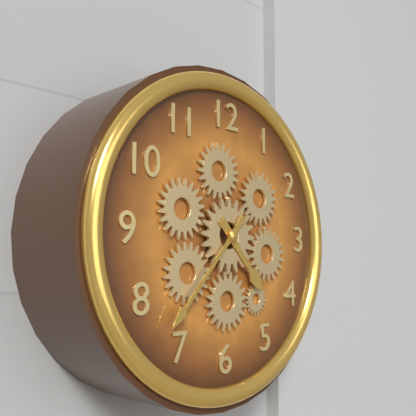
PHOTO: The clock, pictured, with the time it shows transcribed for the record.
4:37
